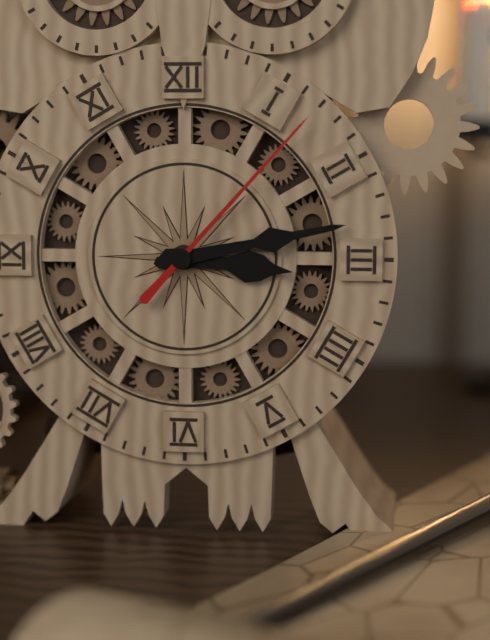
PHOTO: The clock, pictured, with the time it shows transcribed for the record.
3:13:07
